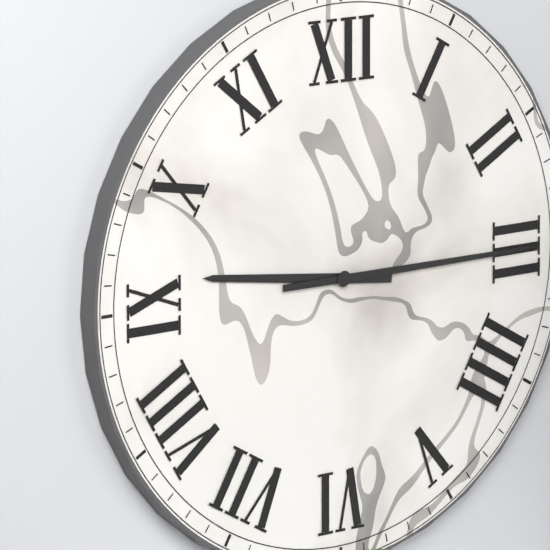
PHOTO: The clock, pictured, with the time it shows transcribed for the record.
9:15
